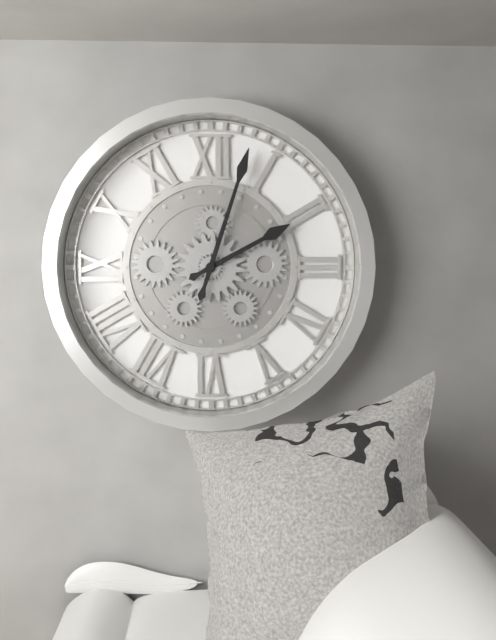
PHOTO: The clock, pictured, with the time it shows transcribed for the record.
2:03
